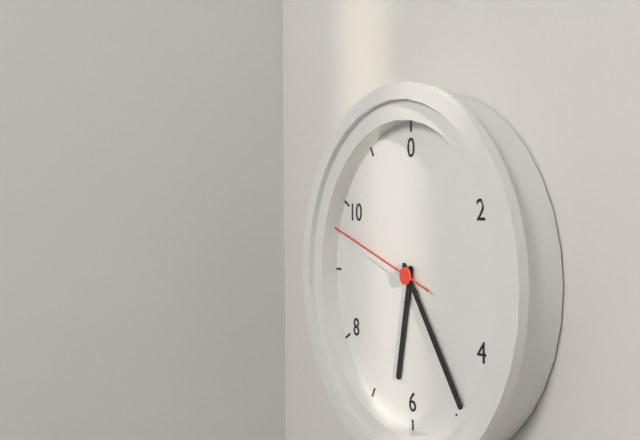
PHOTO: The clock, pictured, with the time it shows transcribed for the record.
6:24:48
